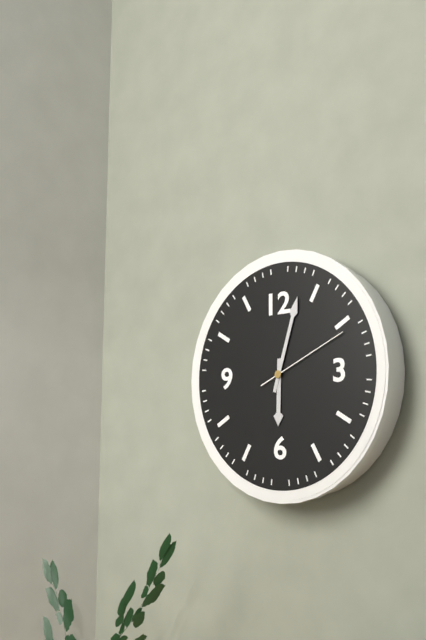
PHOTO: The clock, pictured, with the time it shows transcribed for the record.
6:03:11
